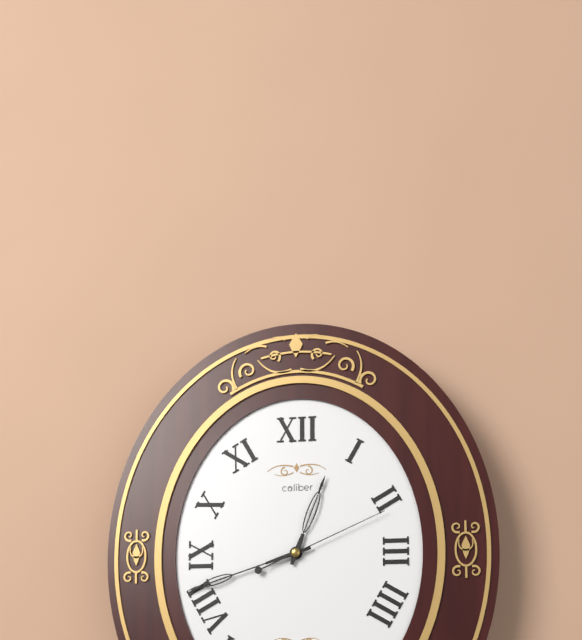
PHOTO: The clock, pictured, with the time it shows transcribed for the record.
12:42:11
